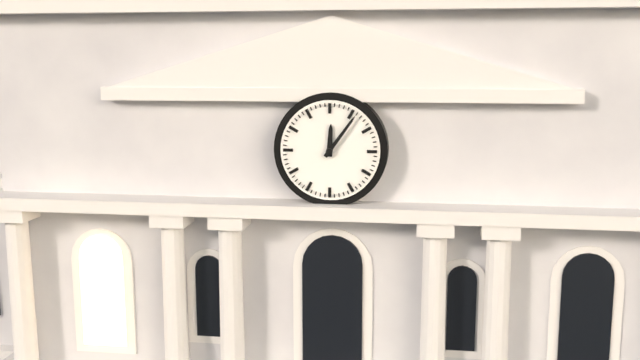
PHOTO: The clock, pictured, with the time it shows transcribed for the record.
12:06
